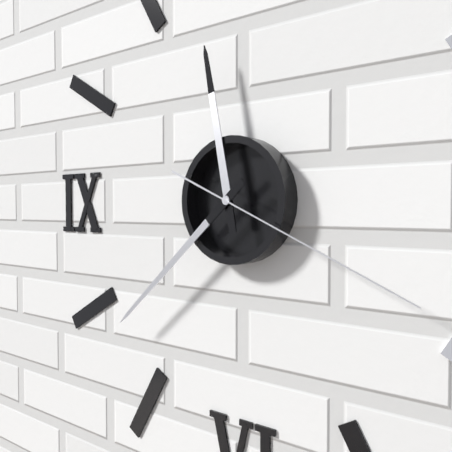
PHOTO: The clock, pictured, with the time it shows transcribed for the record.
11:38:19
